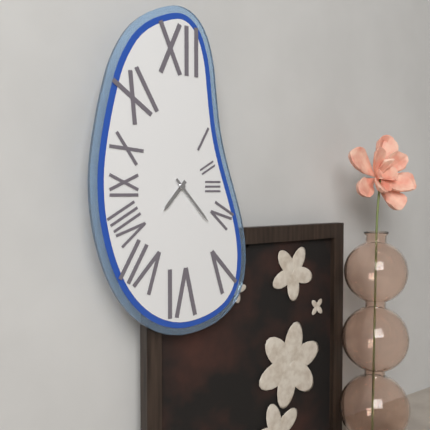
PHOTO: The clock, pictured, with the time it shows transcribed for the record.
7:23
